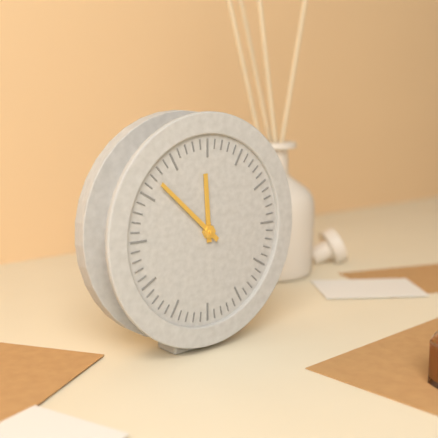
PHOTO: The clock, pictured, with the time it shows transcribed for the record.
11:52
